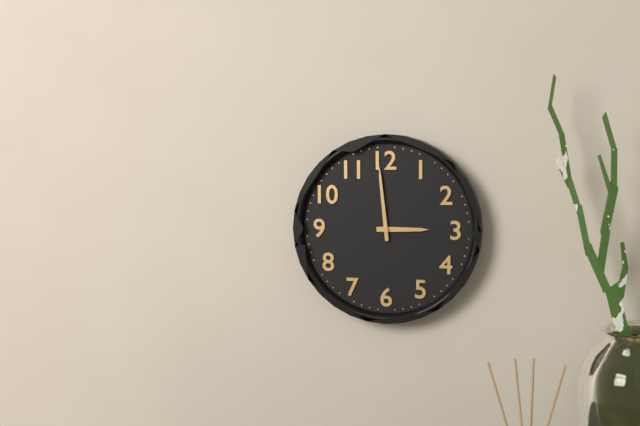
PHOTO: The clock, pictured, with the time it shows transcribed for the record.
2:59
